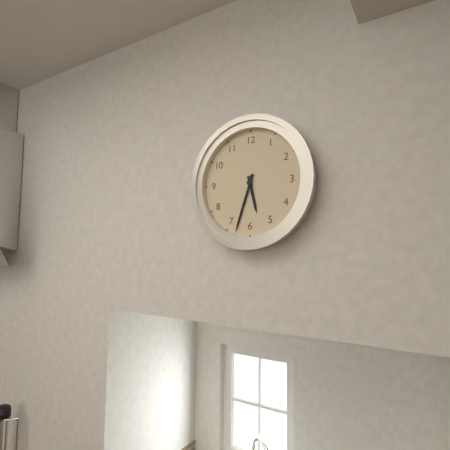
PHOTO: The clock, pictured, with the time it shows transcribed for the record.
5:33
